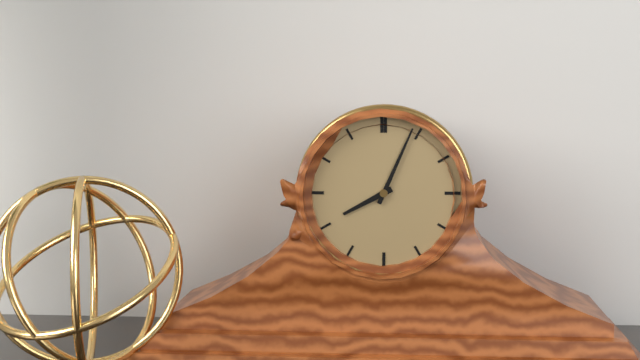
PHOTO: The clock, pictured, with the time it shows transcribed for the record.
8:04
